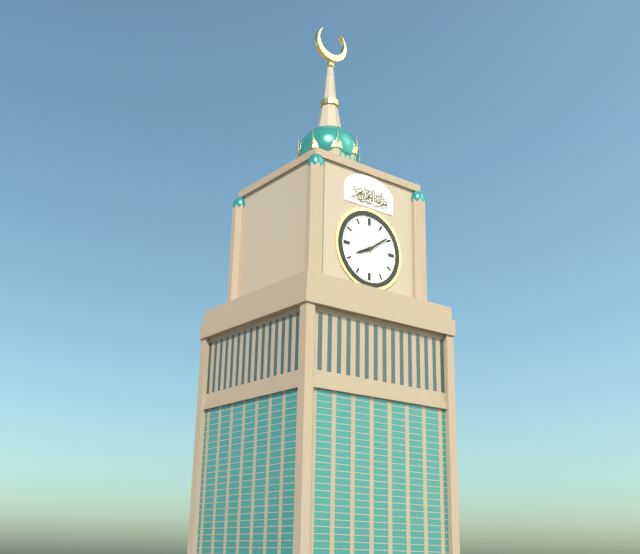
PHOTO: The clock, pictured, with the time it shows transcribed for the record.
8:09
